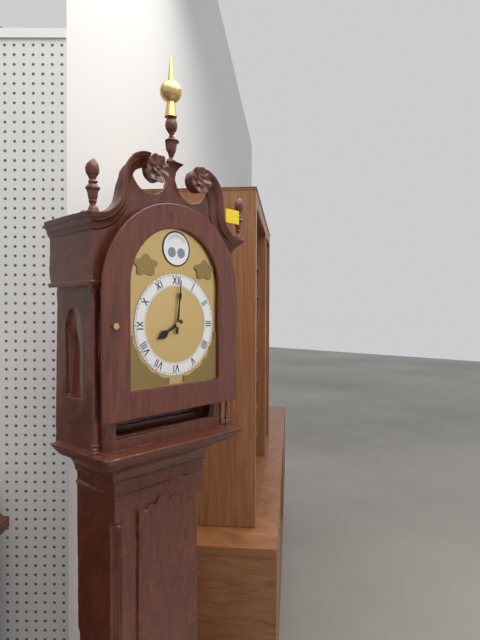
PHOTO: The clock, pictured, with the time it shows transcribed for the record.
8:01
